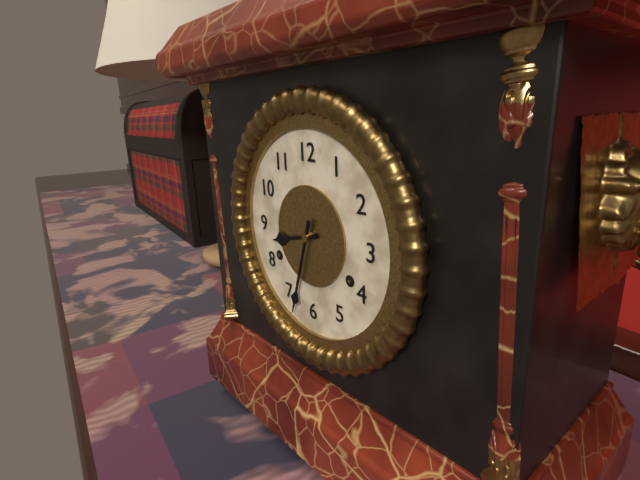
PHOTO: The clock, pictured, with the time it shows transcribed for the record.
8:33
